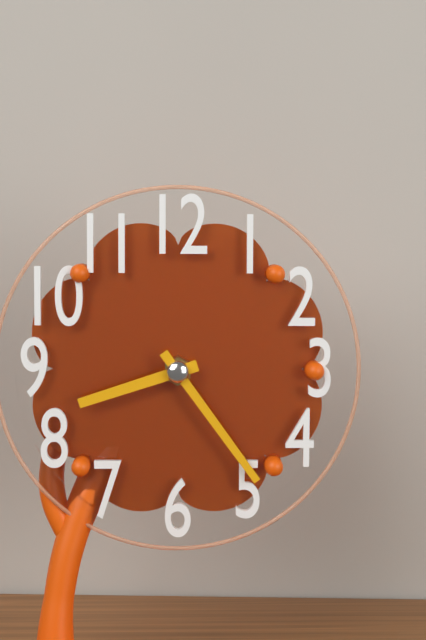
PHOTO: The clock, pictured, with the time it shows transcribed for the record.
8:24
